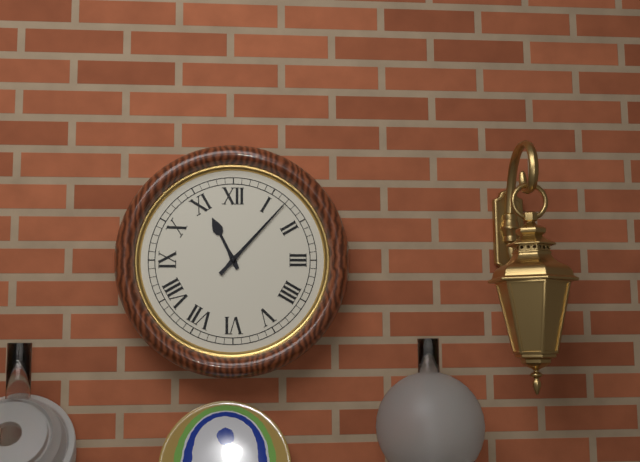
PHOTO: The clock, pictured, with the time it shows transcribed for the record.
11:07
